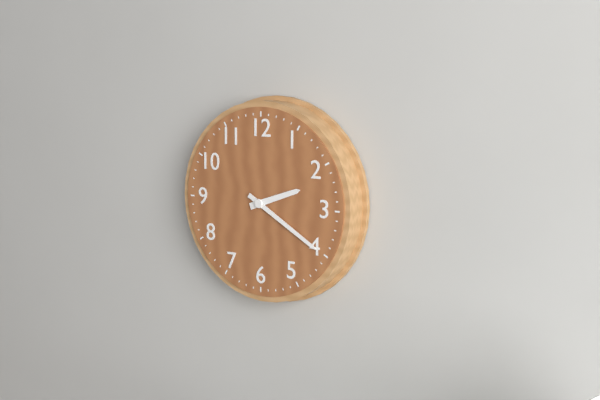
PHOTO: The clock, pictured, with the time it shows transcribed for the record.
2:20
